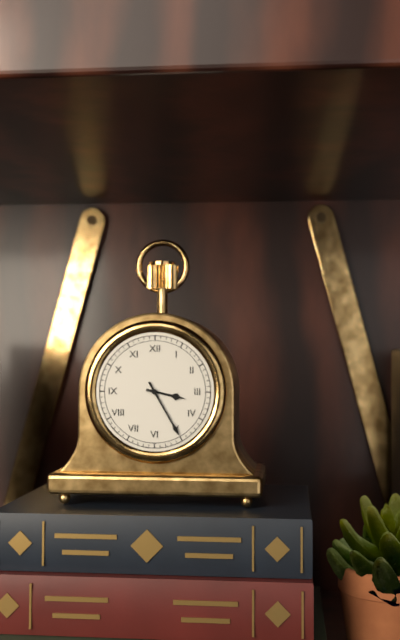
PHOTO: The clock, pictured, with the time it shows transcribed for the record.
3:25
